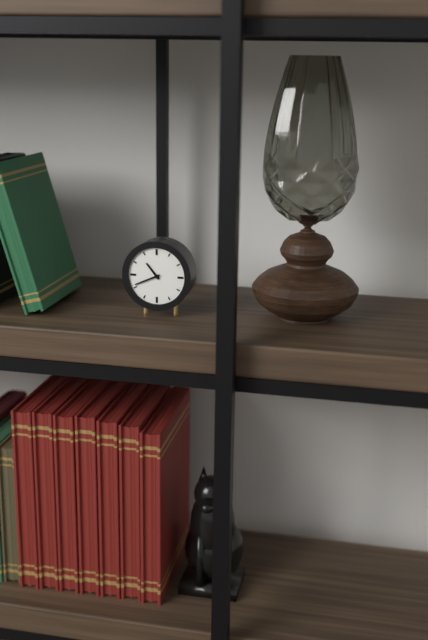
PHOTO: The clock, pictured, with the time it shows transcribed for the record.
10:41
